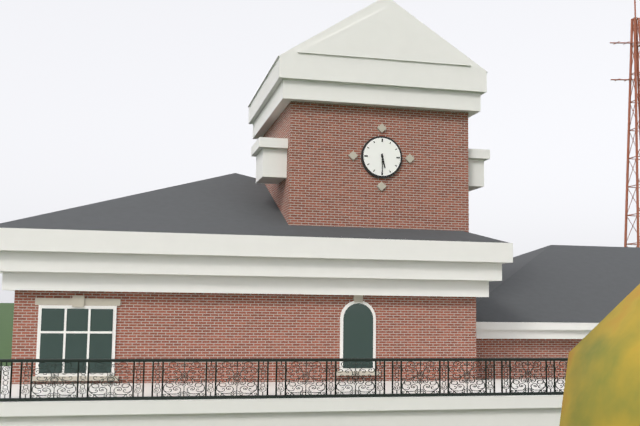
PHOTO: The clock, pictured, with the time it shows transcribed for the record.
5:30
